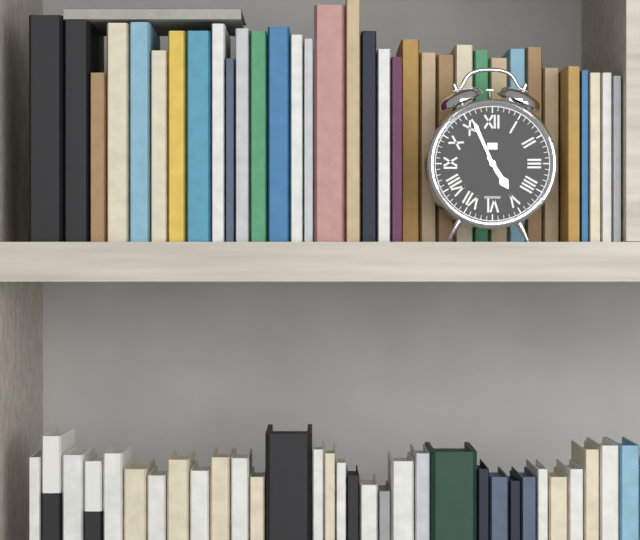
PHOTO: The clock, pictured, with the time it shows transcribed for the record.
4:56
